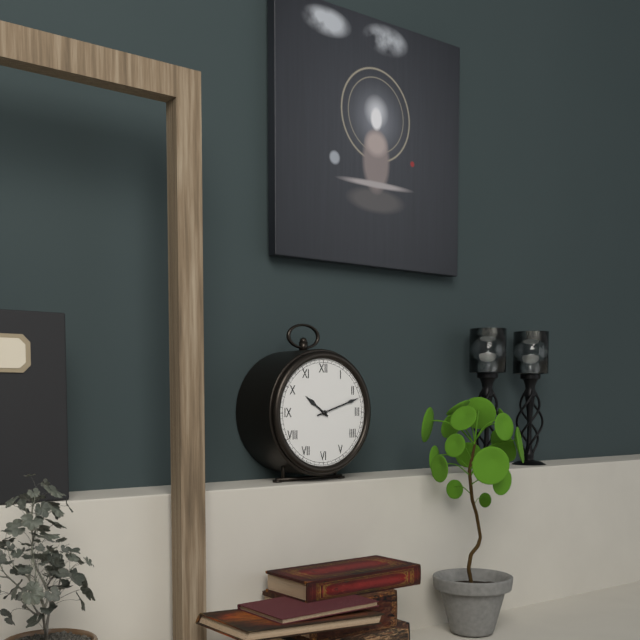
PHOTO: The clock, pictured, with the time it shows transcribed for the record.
10:12
